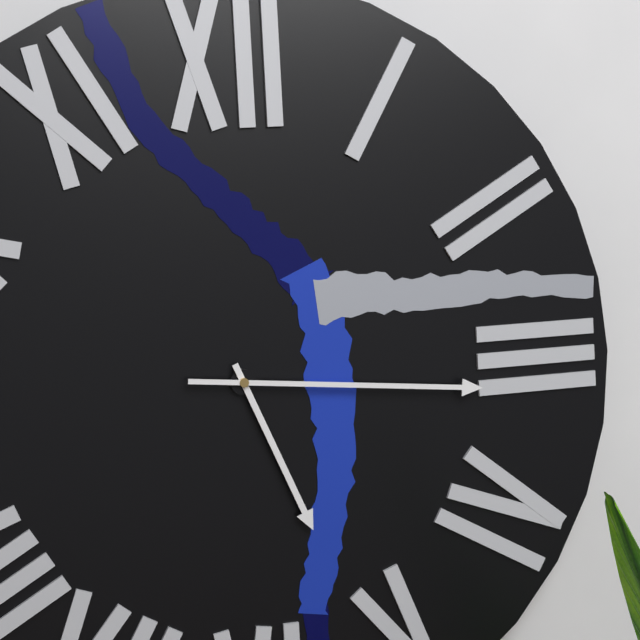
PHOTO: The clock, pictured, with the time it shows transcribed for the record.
5:16
